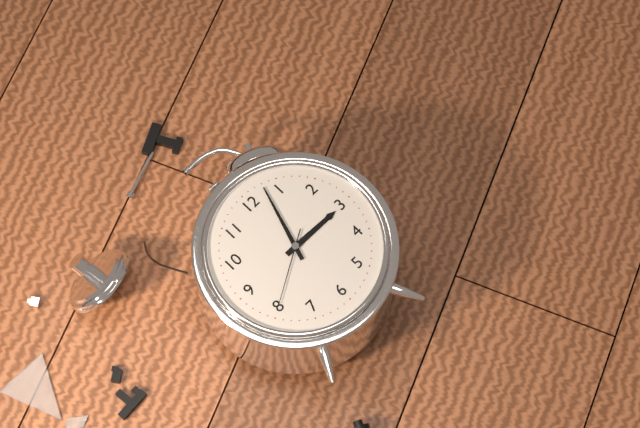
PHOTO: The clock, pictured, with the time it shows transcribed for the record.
3:03:40
